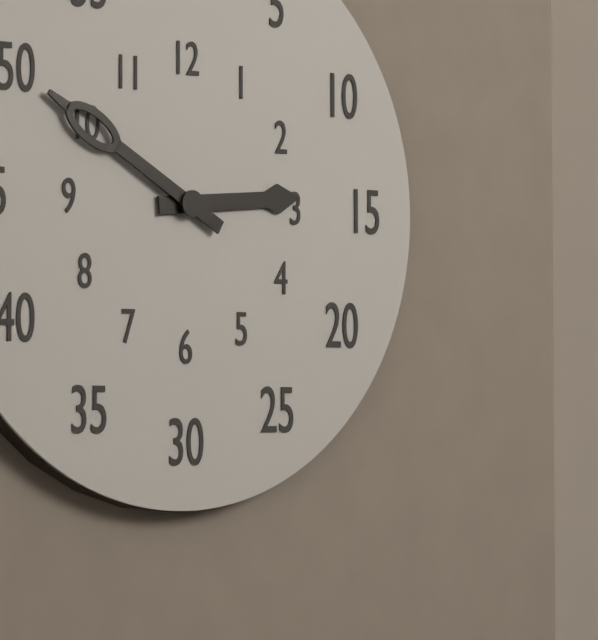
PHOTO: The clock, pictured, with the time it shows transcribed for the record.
2:50
